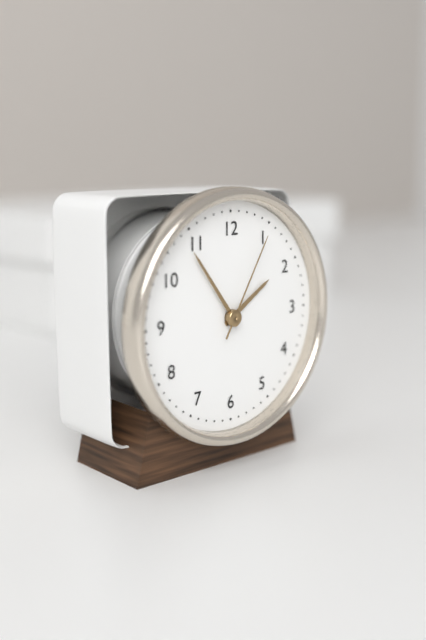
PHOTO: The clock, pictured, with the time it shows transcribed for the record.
1:54:05
